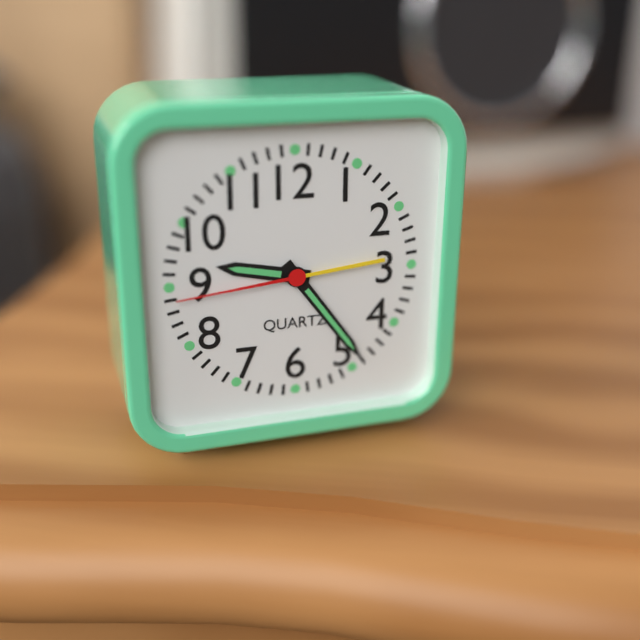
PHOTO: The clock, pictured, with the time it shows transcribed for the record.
9:24:44
